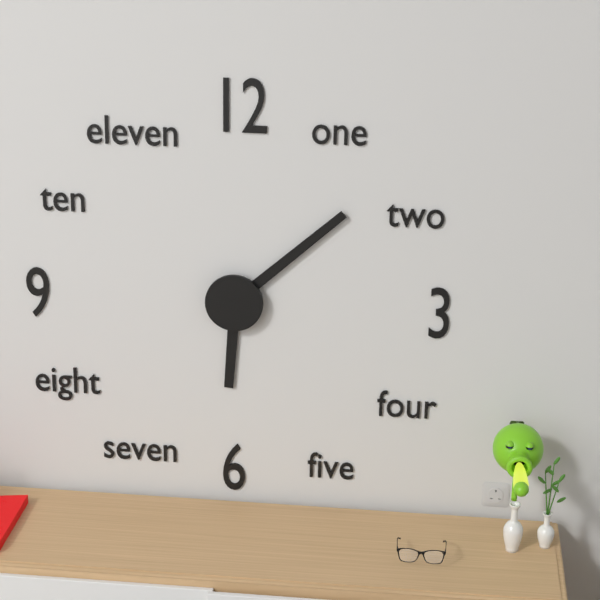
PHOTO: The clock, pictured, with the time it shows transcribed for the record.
6:08
